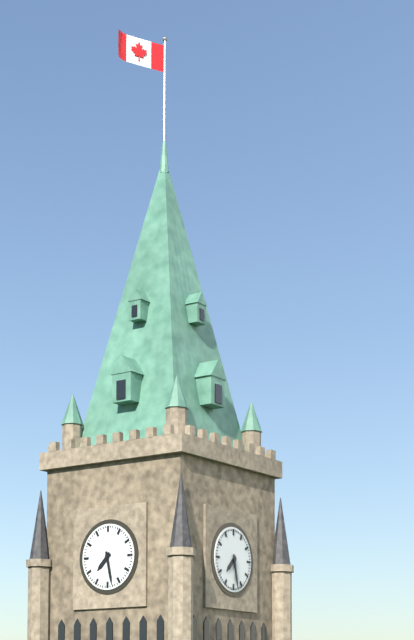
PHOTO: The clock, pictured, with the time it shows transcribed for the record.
7:28
